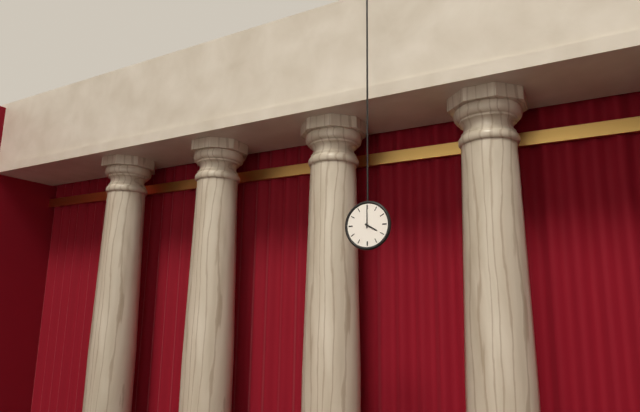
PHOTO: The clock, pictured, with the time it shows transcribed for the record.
4:00
